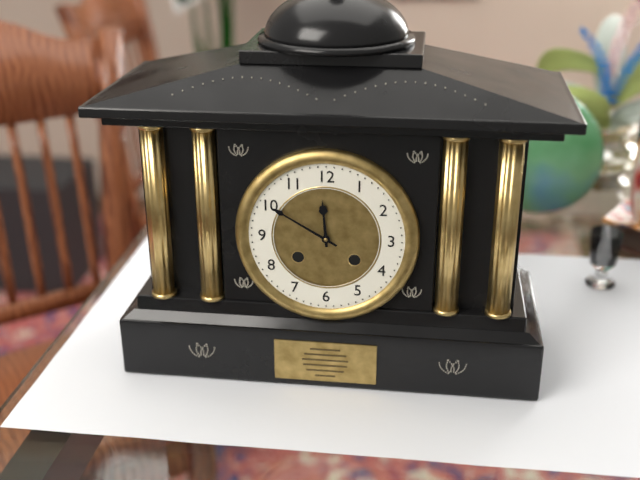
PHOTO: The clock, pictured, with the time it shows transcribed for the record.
11:50
